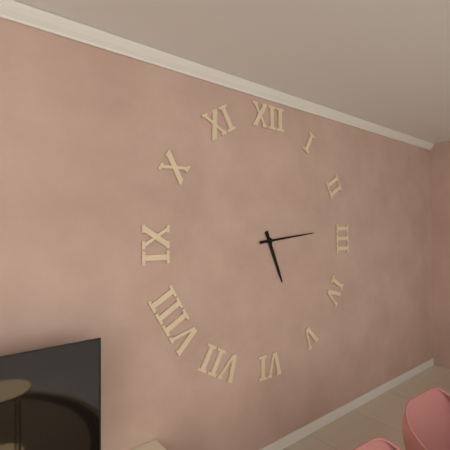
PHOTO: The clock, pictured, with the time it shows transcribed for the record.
5:14
